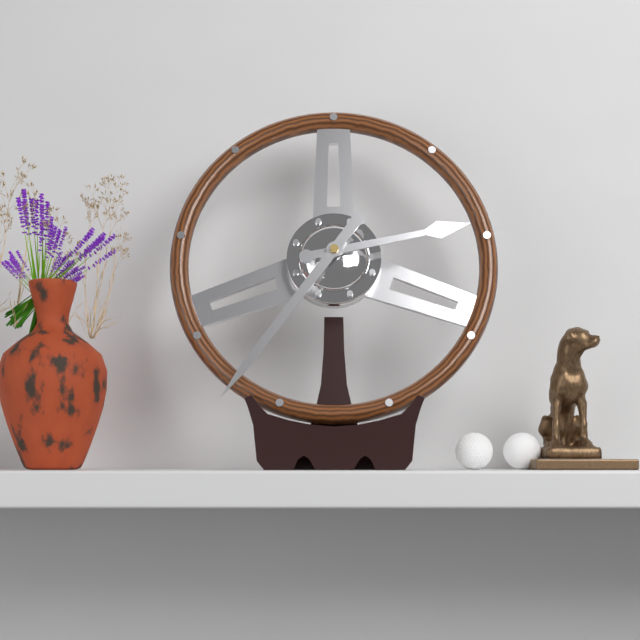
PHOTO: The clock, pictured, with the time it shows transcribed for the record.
2:36
